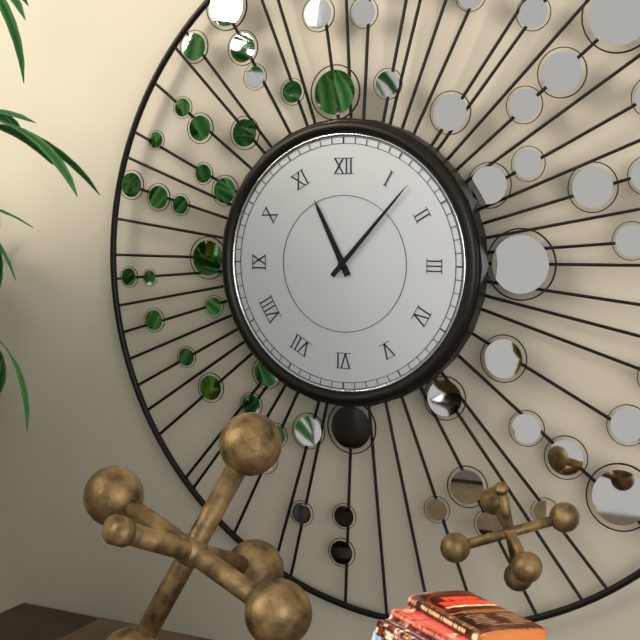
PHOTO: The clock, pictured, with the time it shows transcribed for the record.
11:07
